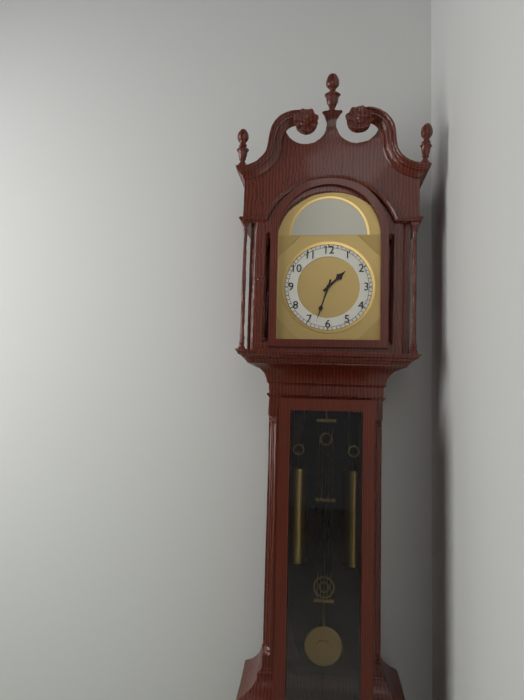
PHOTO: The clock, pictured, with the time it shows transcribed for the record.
1:33
